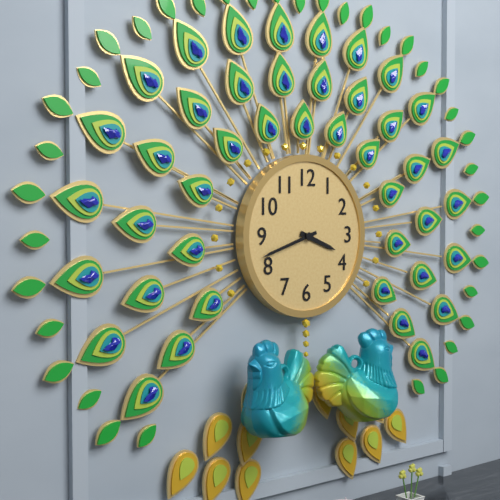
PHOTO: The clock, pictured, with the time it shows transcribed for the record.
3:42
